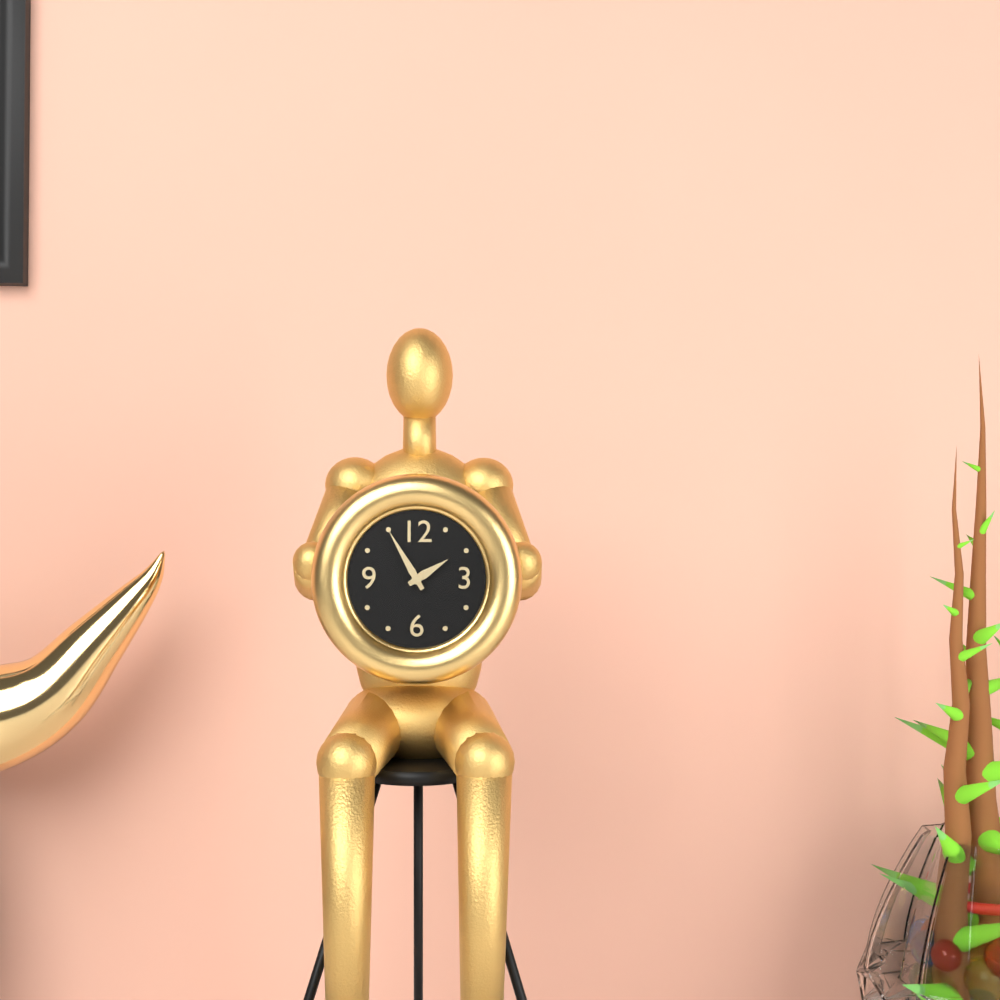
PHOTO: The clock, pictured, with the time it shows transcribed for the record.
1:55
